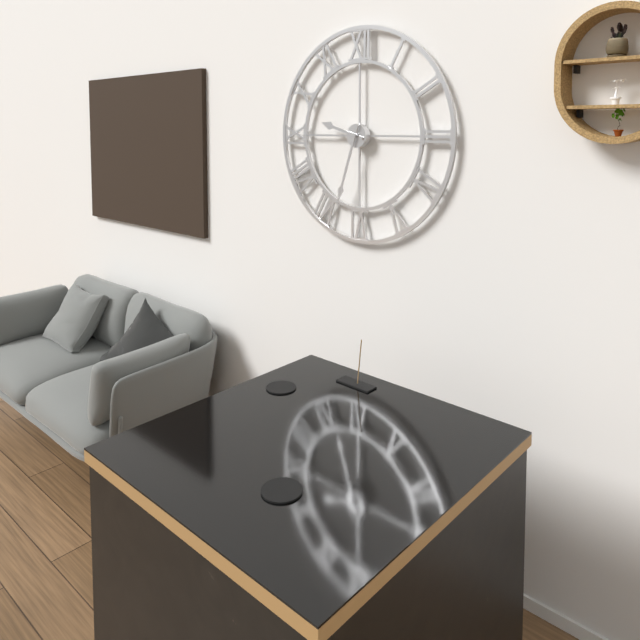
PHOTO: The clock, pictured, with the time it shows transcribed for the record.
9:33
